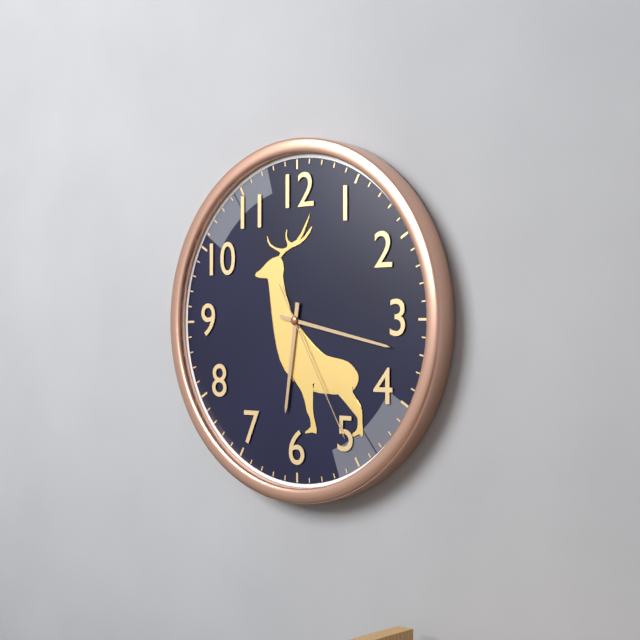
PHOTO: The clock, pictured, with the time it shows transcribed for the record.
6:17:25
